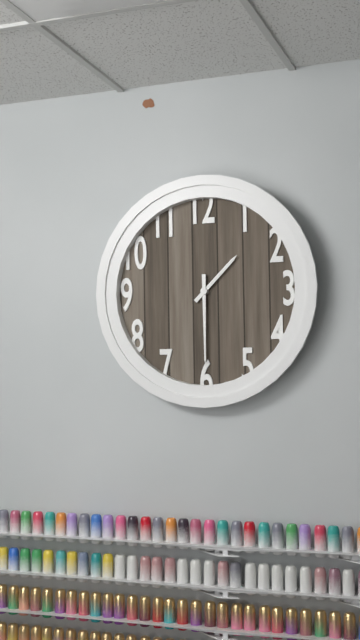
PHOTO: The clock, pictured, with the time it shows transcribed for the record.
1:30
